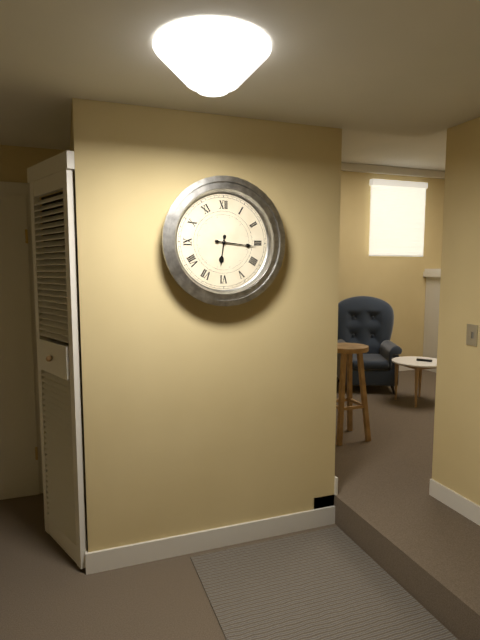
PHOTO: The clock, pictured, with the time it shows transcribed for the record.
6:16
